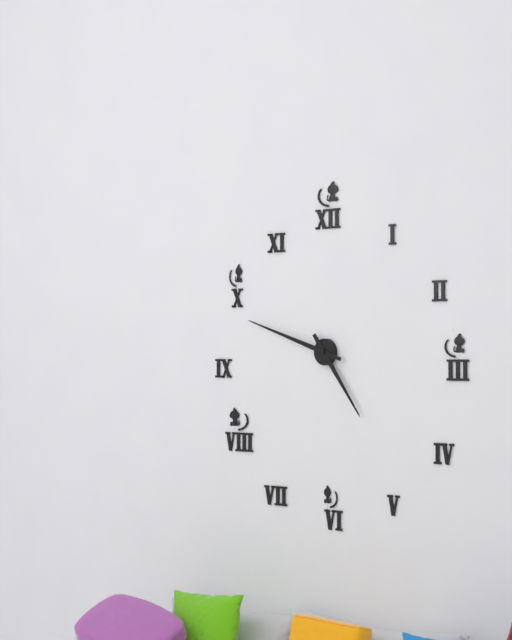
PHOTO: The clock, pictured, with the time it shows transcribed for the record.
4:48
